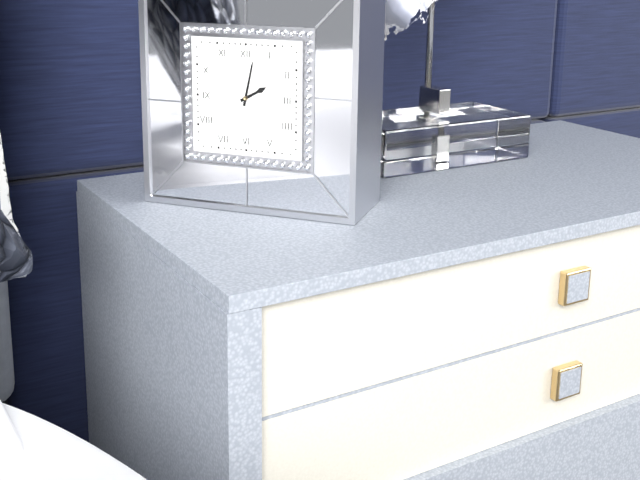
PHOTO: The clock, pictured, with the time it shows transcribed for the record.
2:02
